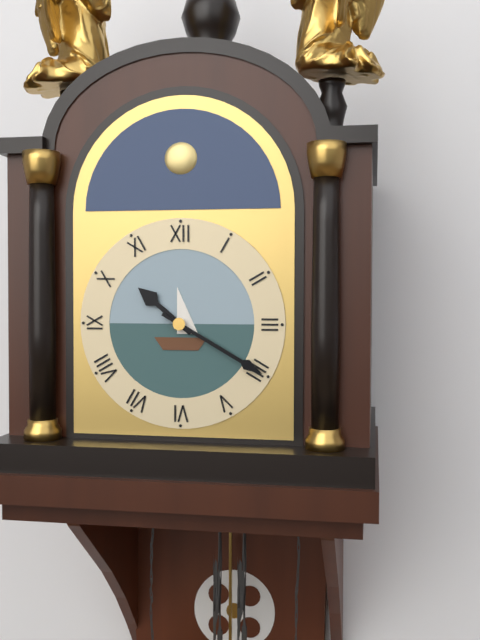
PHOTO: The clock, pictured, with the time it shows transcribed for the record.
10:20
